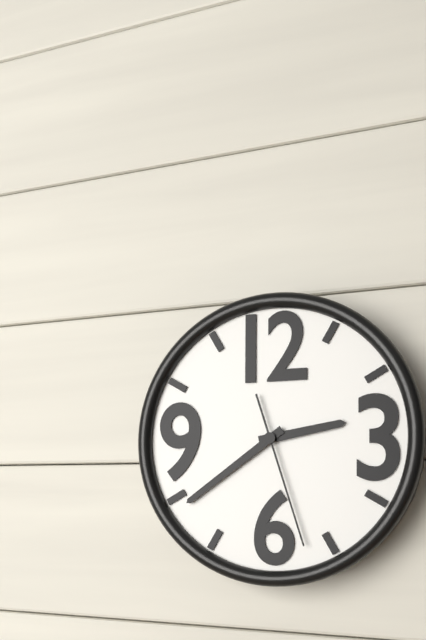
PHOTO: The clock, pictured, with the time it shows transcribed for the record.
2:39:27
